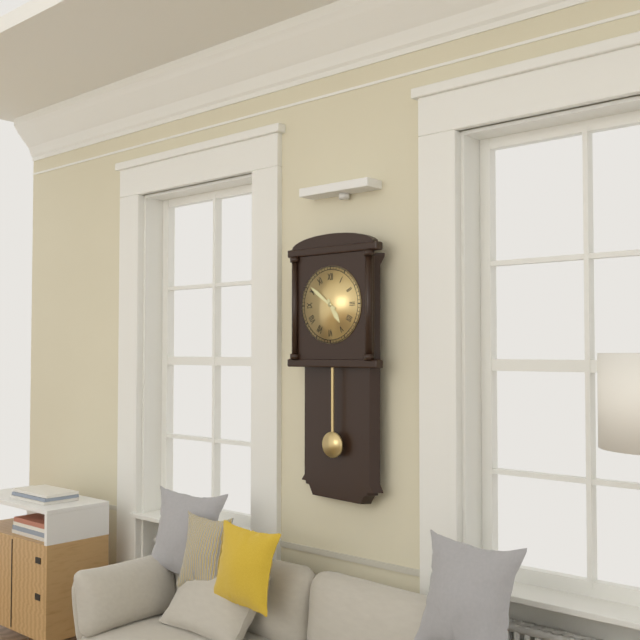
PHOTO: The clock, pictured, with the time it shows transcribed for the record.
4:51
